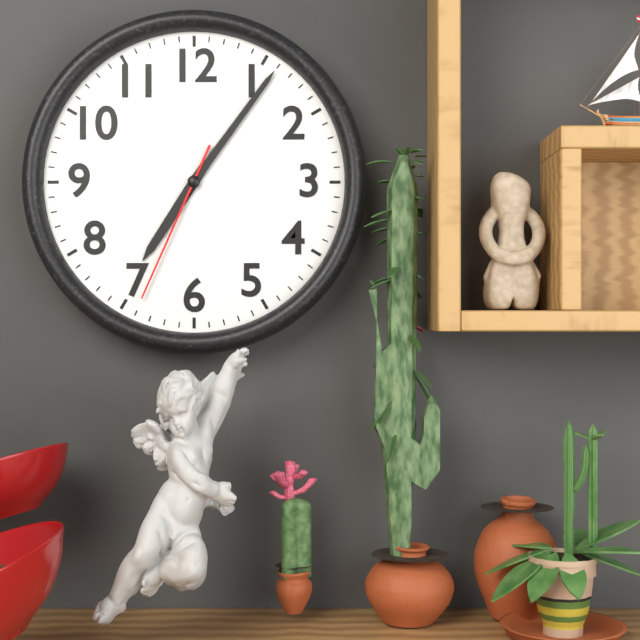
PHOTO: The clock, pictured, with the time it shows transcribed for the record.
7:06:34
